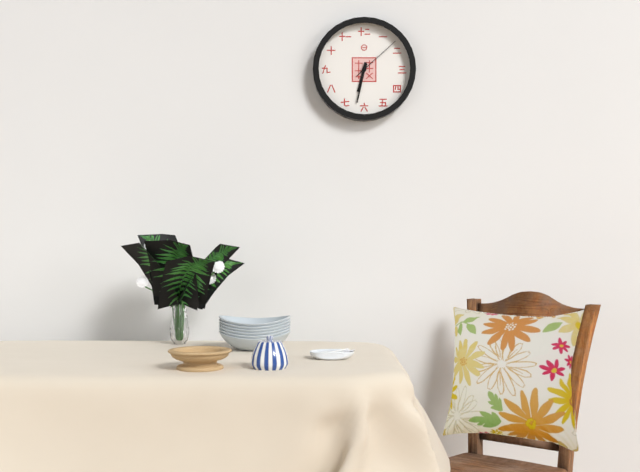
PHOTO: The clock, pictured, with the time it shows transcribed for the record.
6:32:08
